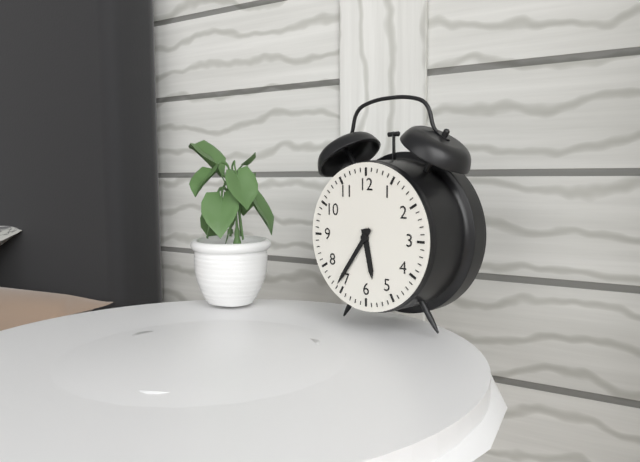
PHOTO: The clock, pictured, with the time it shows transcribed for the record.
5:36
